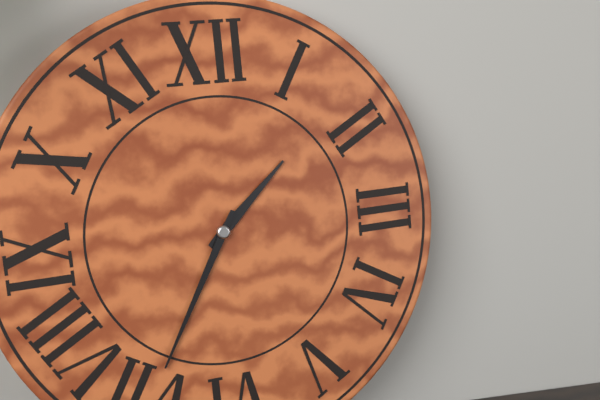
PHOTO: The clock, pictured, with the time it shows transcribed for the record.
1:35
